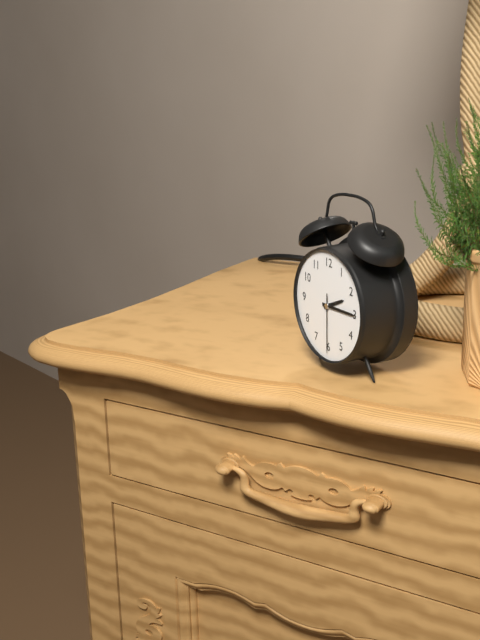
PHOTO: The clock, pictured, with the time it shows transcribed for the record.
2:15:30
